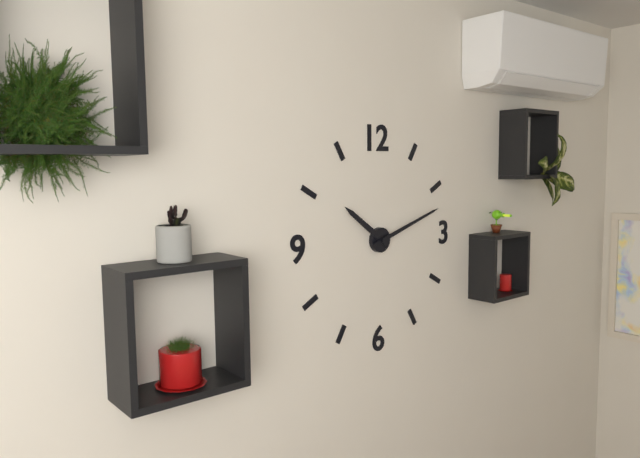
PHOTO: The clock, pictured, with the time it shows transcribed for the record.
10:12
